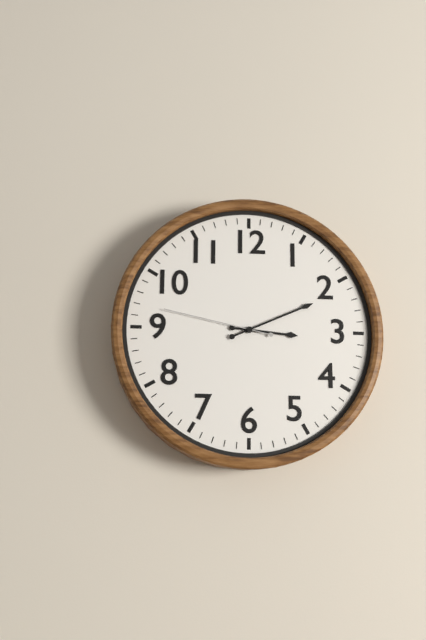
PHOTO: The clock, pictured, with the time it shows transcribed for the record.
3:11:47
